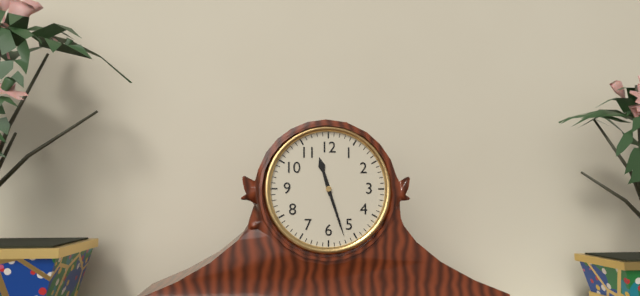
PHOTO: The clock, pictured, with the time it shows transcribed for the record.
11:27
